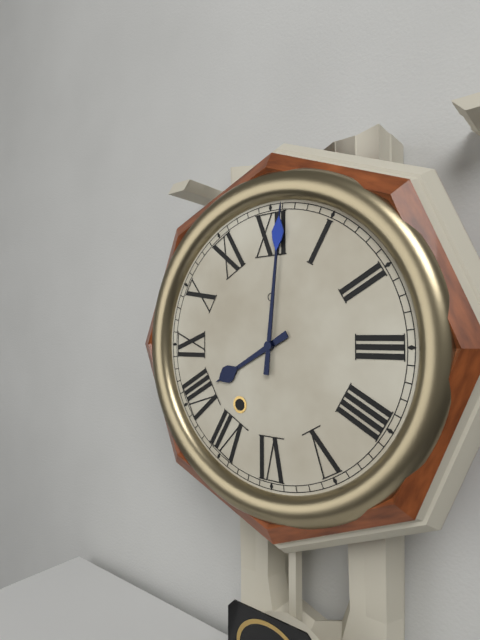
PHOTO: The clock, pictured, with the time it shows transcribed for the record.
8:01
